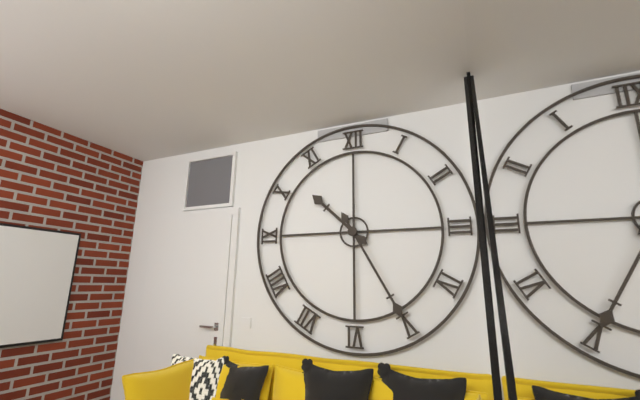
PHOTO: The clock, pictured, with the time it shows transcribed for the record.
10:25
